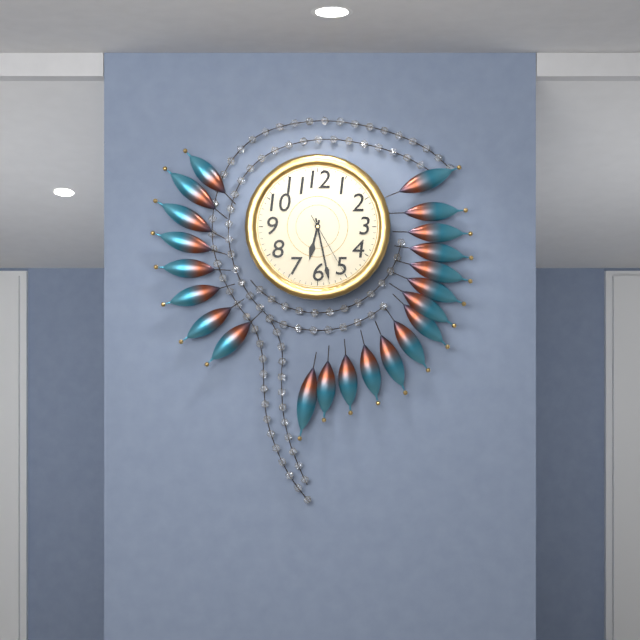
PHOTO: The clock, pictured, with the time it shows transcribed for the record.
6:28:25
